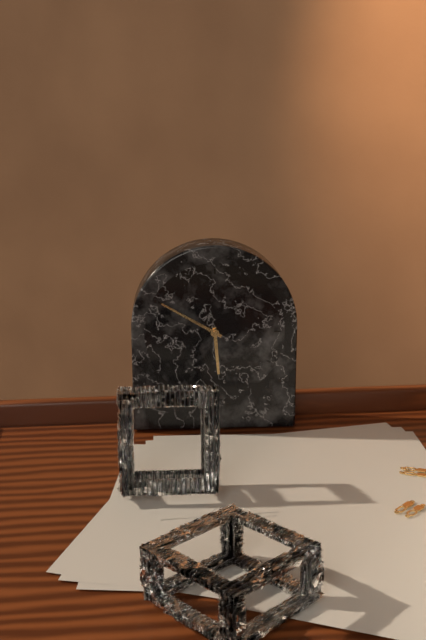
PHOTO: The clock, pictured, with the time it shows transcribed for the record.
5:50
